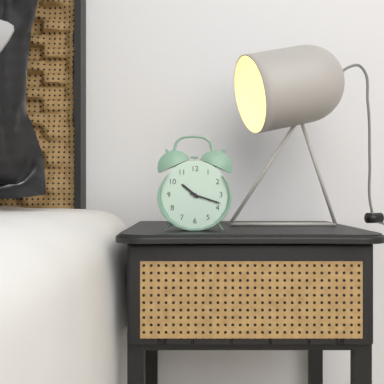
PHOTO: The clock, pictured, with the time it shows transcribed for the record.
10:18
